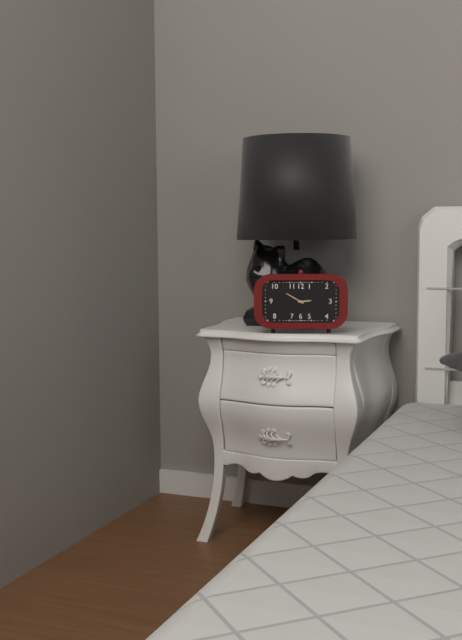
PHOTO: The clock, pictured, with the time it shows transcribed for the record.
2:50
